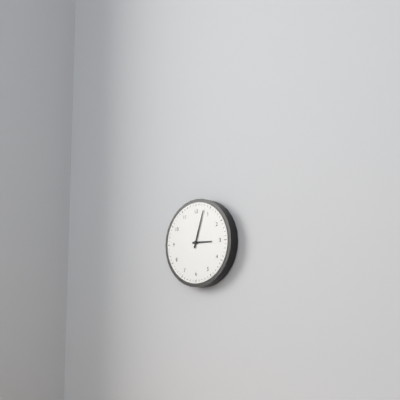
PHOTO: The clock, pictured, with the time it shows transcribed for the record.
3:03
